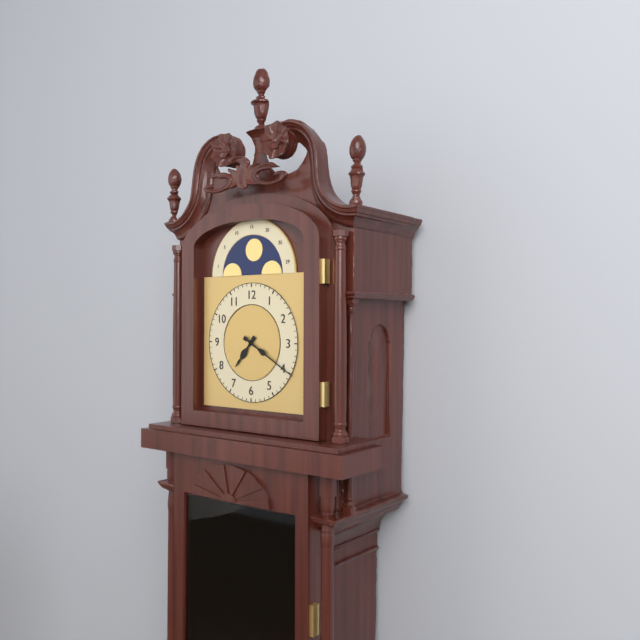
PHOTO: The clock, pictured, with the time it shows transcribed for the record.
7:20
